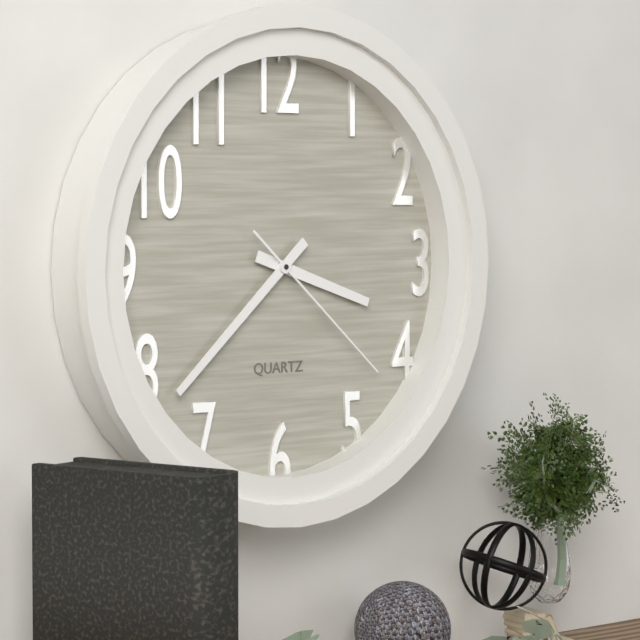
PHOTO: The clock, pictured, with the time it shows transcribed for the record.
3:38:22
